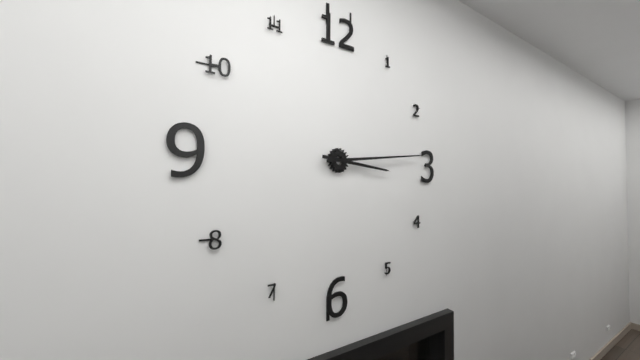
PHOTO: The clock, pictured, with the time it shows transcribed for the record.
3:14
